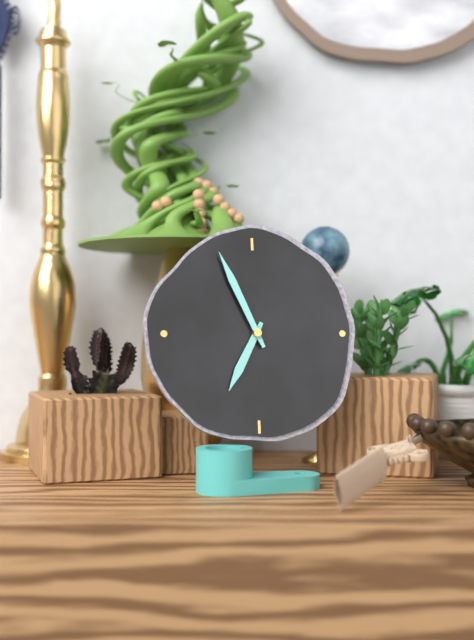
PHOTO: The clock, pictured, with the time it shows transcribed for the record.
6:56
